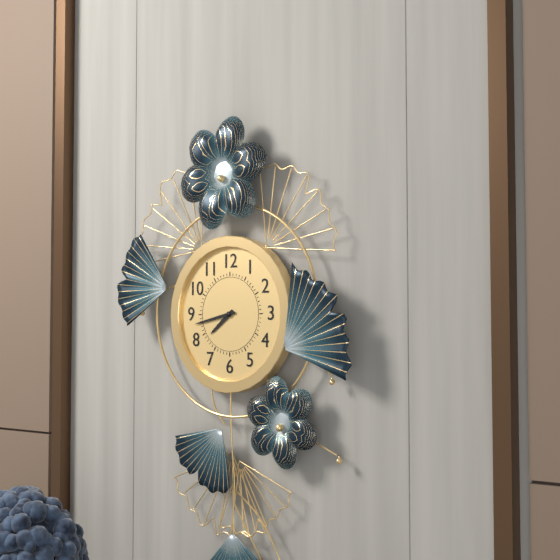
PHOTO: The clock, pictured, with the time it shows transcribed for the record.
7:43
